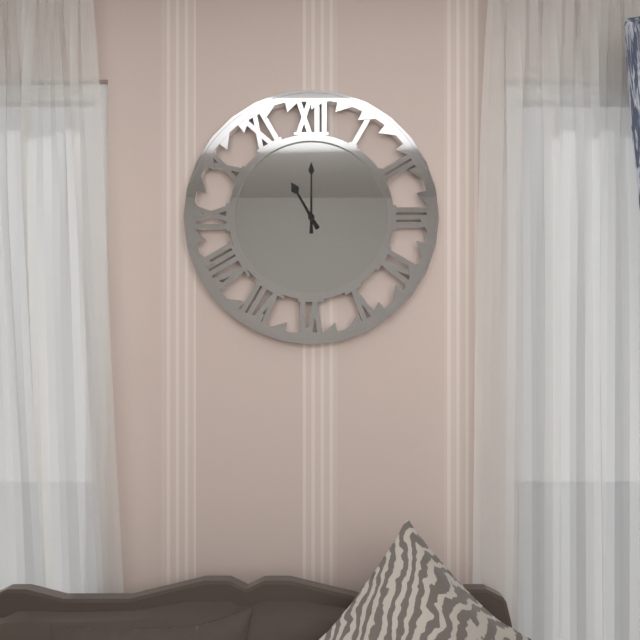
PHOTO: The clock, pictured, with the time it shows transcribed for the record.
11:00
